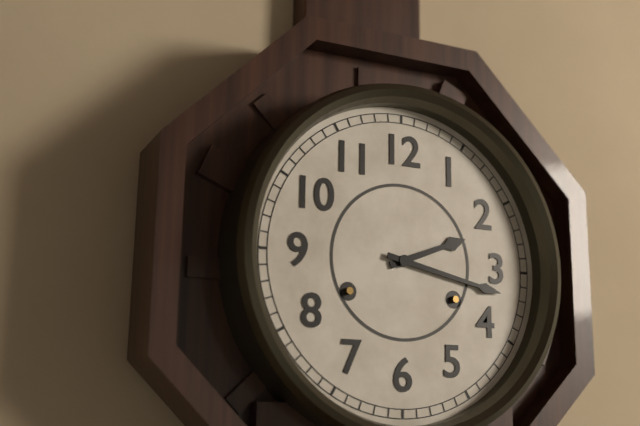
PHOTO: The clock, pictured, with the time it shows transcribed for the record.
2:17
